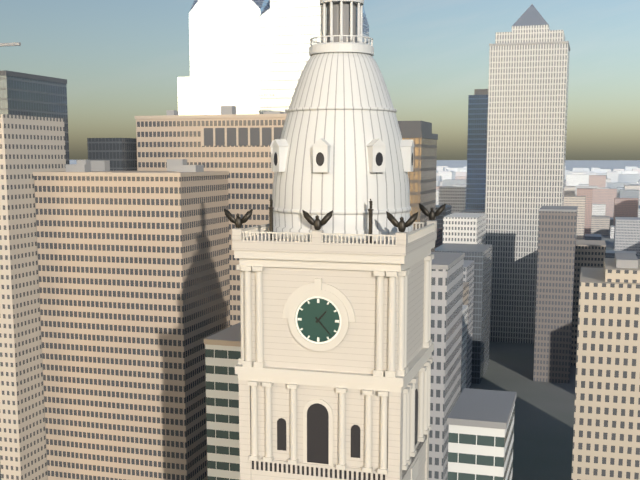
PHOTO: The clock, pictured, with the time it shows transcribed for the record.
1:23
